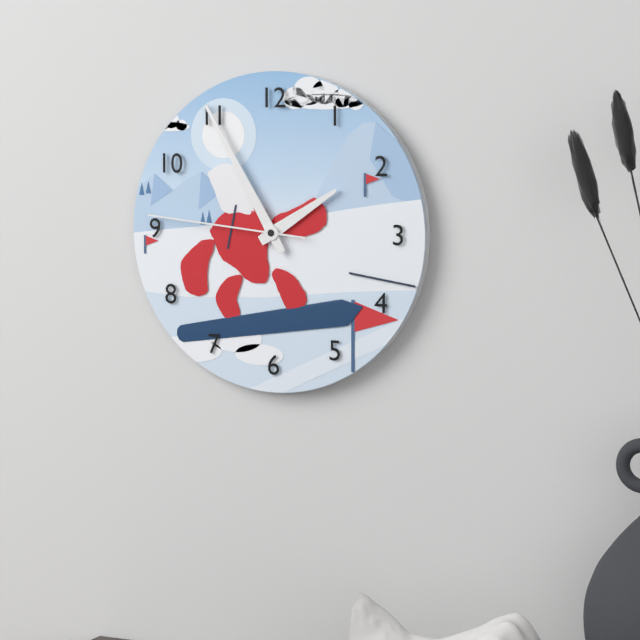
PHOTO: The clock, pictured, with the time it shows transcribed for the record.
1:55:46
